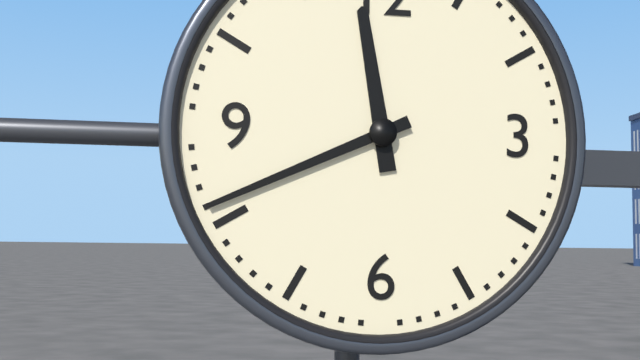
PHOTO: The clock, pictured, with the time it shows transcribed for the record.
11:41
